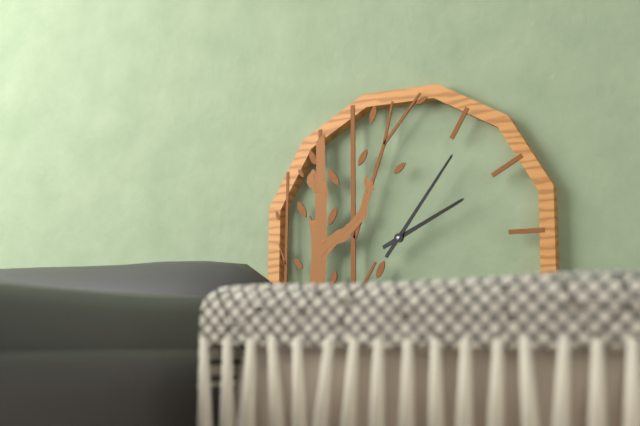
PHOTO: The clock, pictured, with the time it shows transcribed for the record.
2:06
